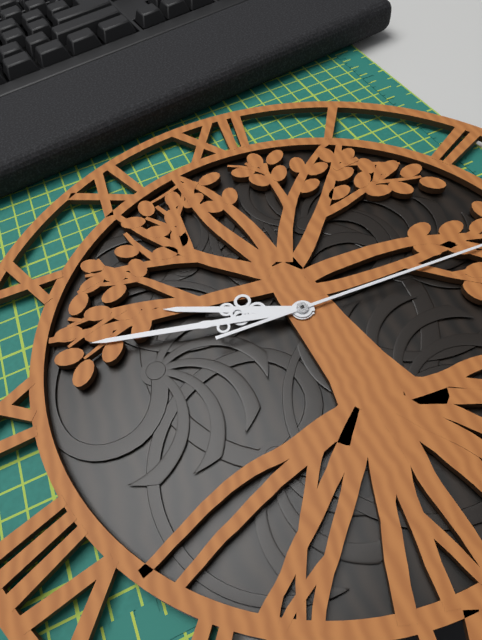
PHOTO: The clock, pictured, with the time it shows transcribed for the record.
9:47
